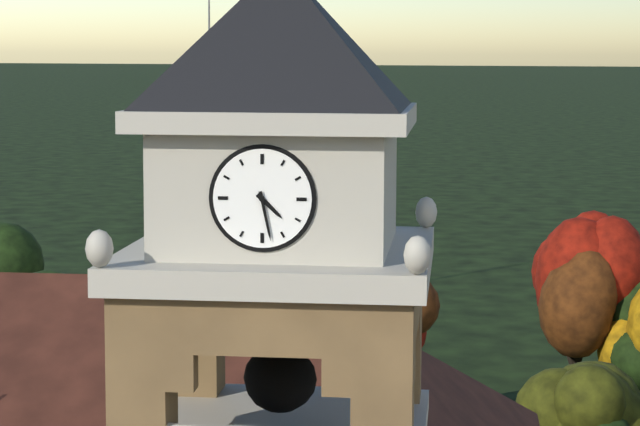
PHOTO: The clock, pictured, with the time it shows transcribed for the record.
4:28
